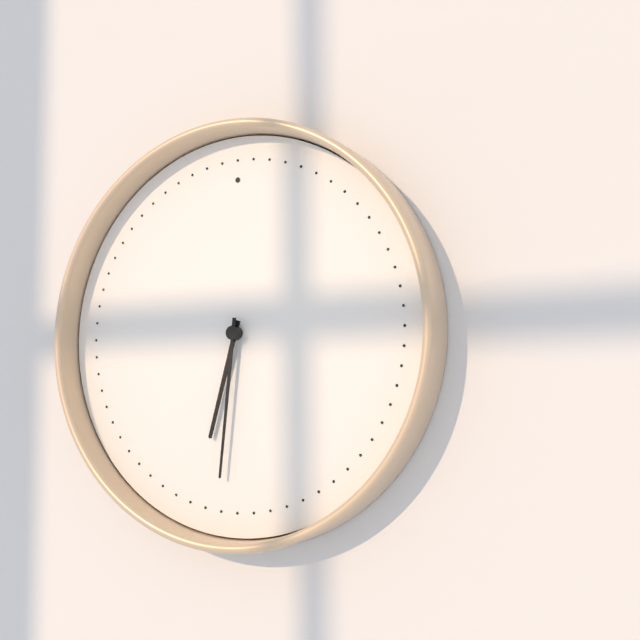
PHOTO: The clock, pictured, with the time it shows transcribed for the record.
6:31
